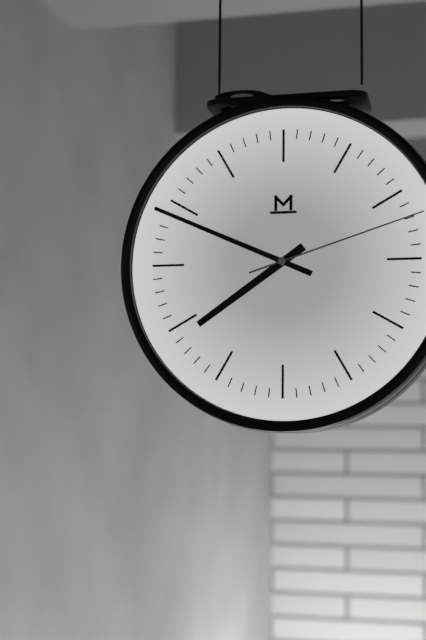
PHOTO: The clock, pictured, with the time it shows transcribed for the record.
7:49:12
